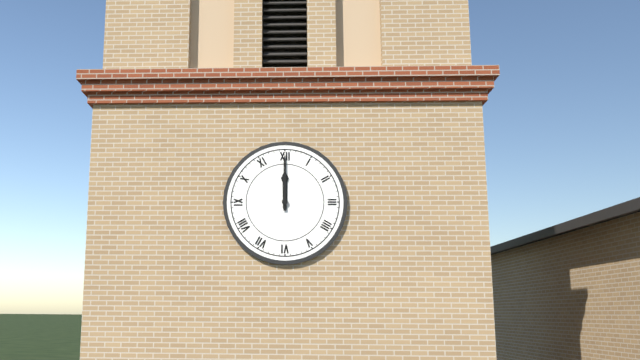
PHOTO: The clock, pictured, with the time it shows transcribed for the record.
12:00
